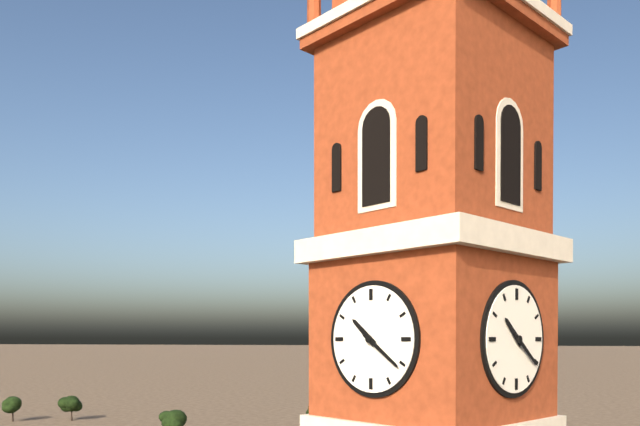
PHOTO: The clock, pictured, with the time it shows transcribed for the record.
10:21
